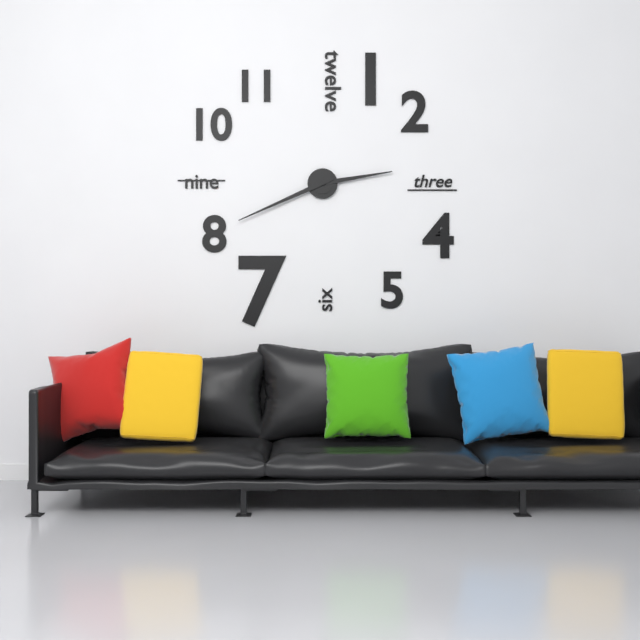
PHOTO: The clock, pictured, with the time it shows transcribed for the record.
2:41
